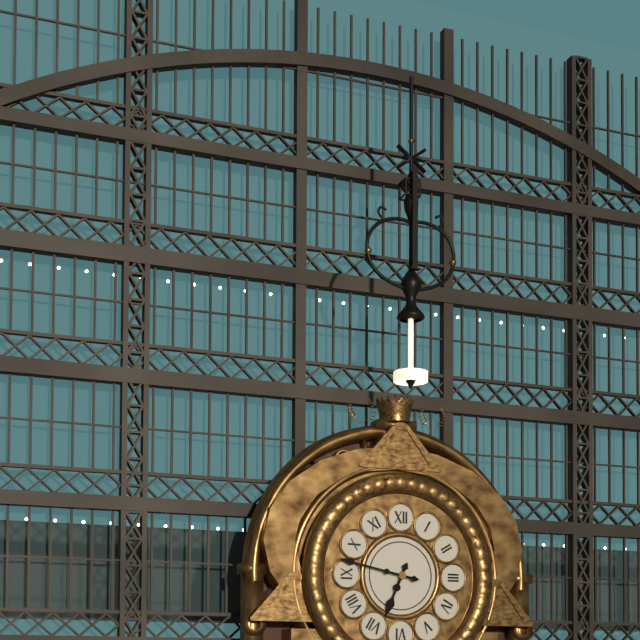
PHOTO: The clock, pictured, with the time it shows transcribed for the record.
6:47
